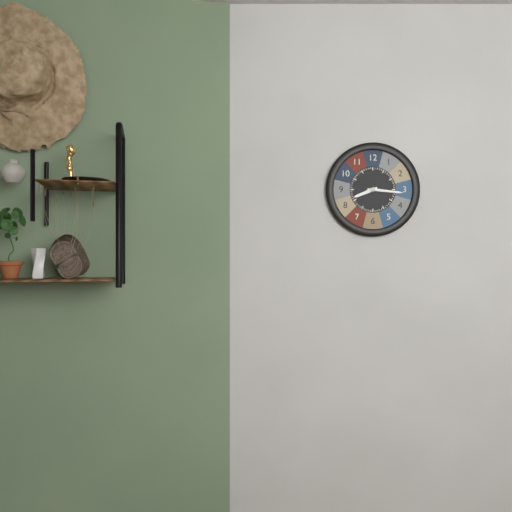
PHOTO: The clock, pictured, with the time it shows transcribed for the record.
8:16
